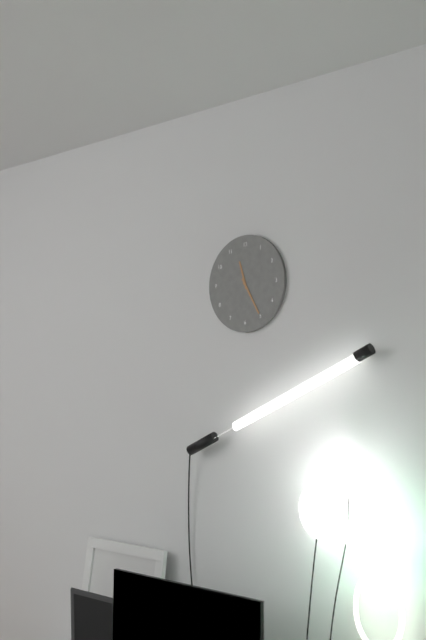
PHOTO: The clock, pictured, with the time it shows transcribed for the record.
11:25
